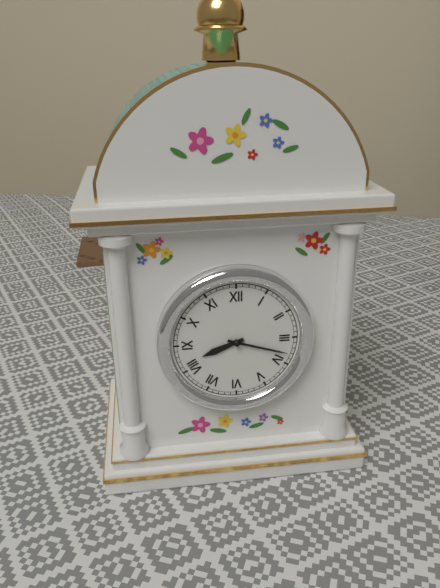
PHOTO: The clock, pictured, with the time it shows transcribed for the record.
8:18
